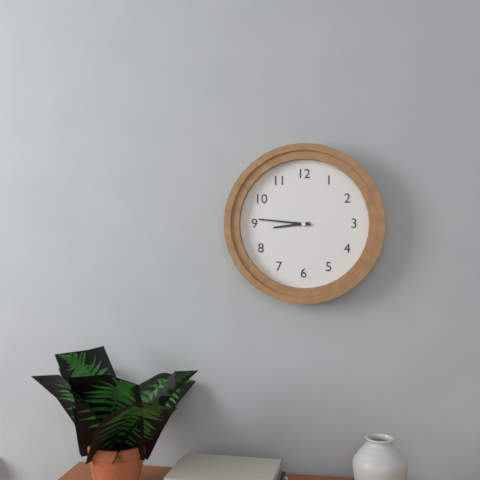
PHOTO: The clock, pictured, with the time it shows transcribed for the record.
8:46
